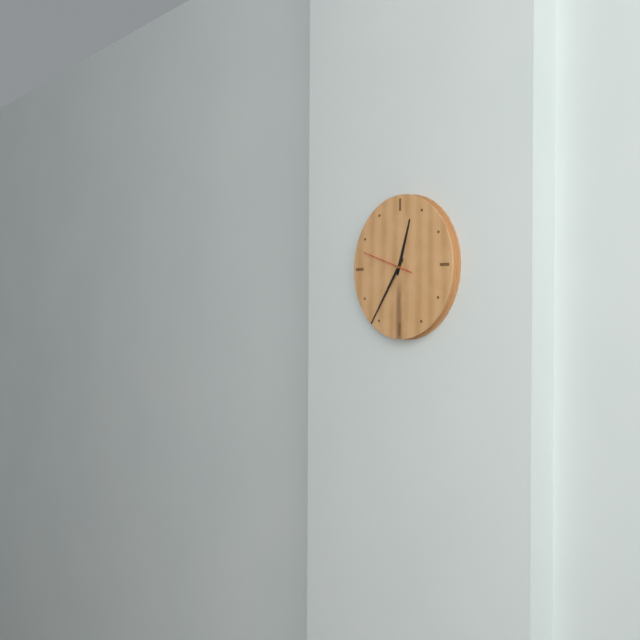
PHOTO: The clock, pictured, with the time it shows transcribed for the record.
12:36
